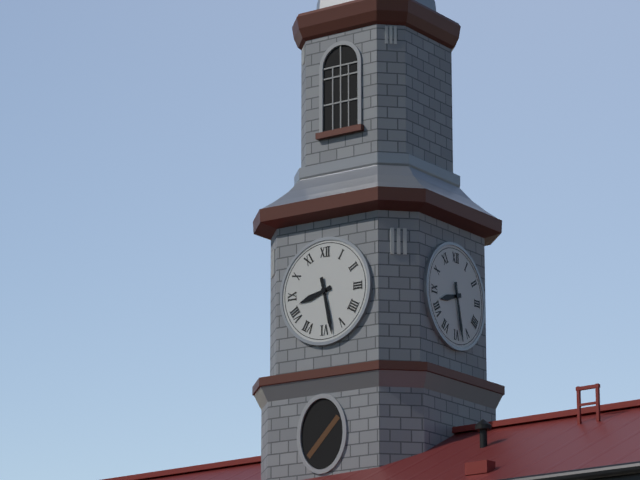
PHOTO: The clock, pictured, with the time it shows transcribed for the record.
8:28
